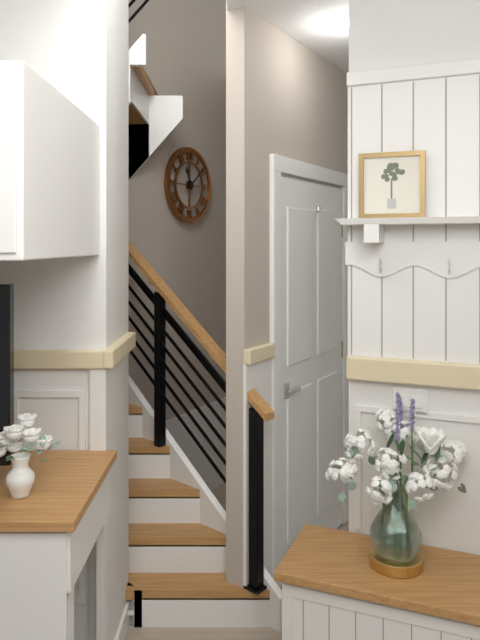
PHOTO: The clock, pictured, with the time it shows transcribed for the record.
11:08
